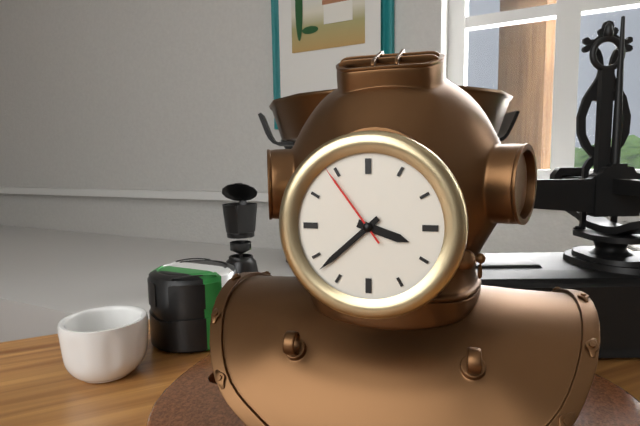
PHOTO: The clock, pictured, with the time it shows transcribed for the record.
3:38:54
